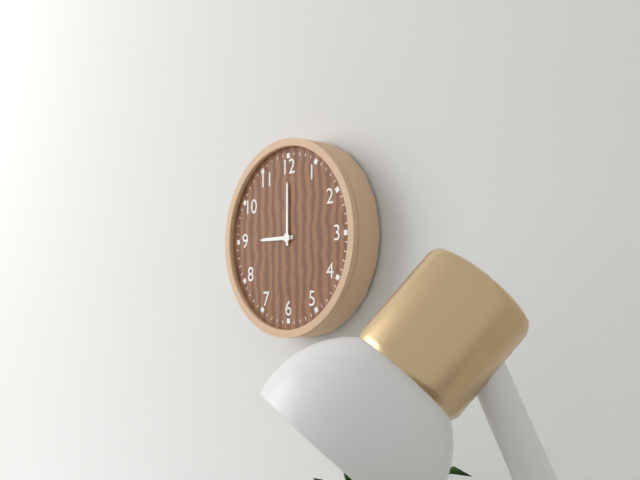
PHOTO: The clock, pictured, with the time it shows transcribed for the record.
9:00
